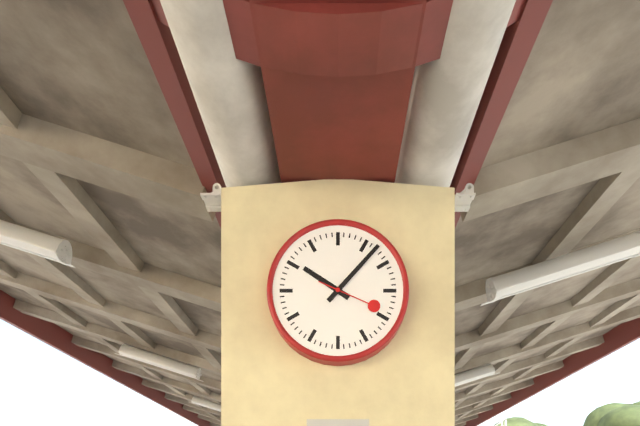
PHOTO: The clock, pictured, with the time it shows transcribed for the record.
10:07:19
